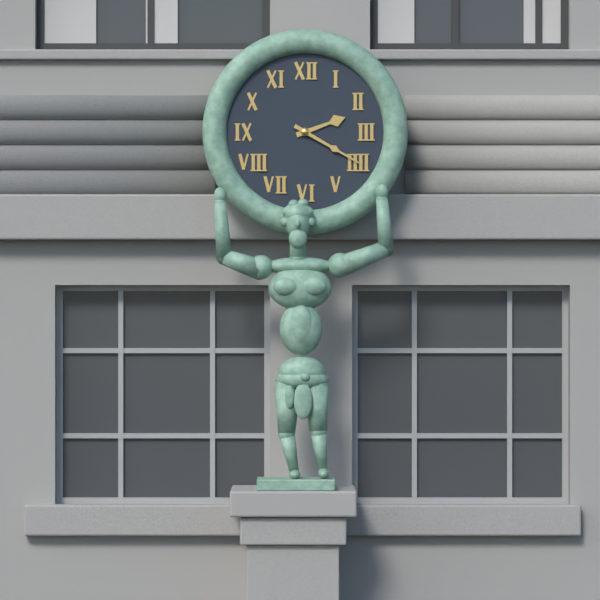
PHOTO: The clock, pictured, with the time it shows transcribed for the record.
2:20
